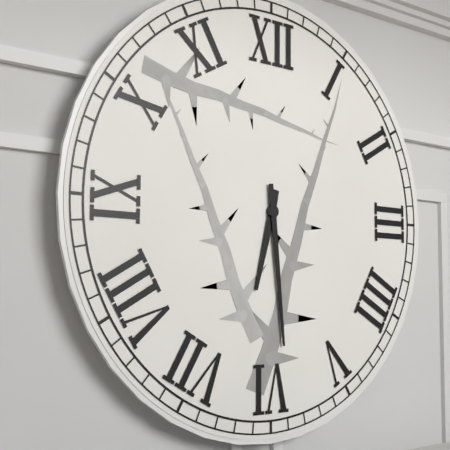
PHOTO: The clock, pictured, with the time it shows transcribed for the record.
6:29
